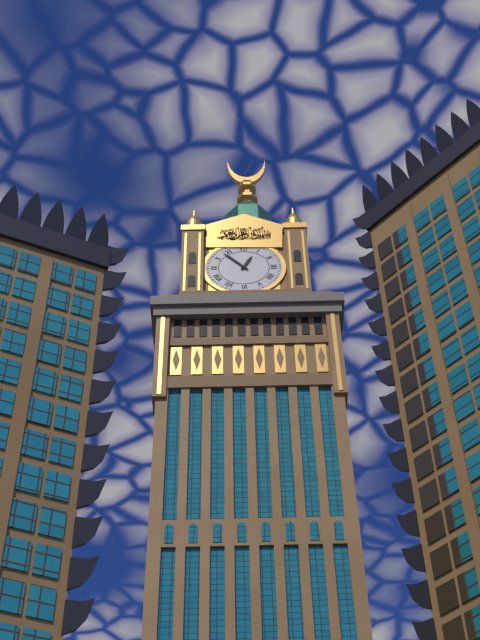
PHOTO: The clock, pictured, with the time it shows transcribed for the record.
12:53
